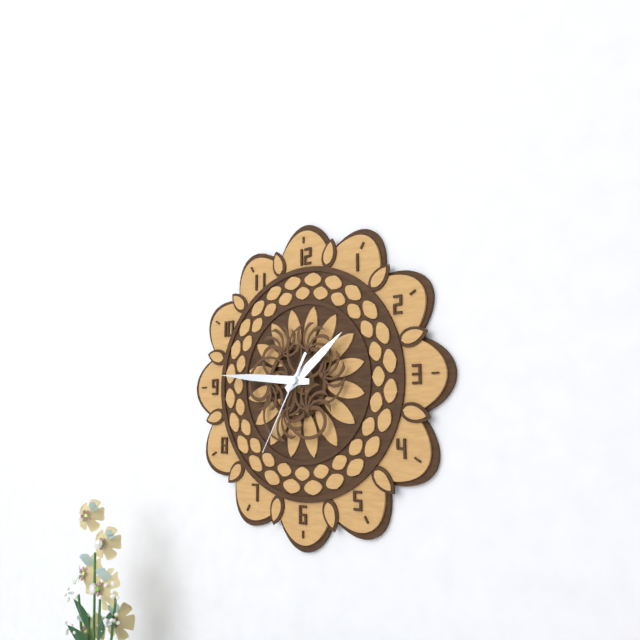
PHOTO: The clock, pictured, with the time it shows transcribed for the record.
1:46:35
